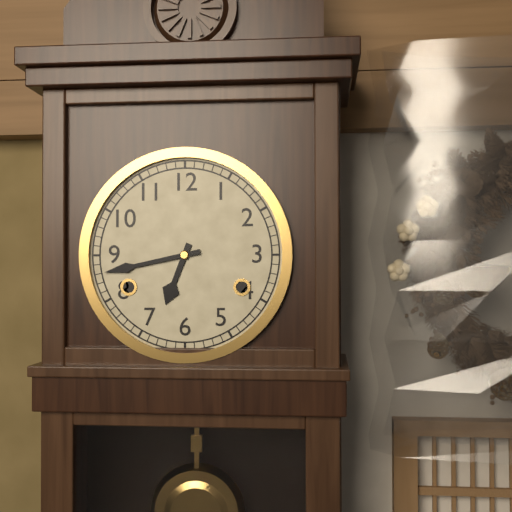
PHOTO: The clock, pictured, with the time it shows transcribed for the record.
6:43
